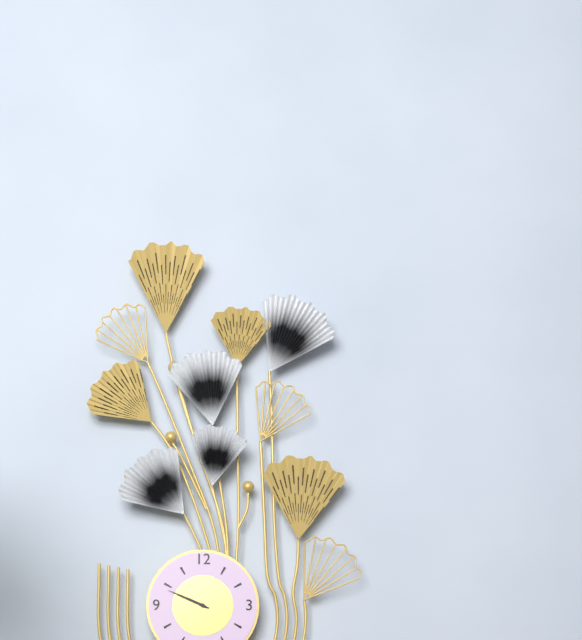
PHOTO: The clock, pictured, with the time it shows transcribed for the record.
9:49
